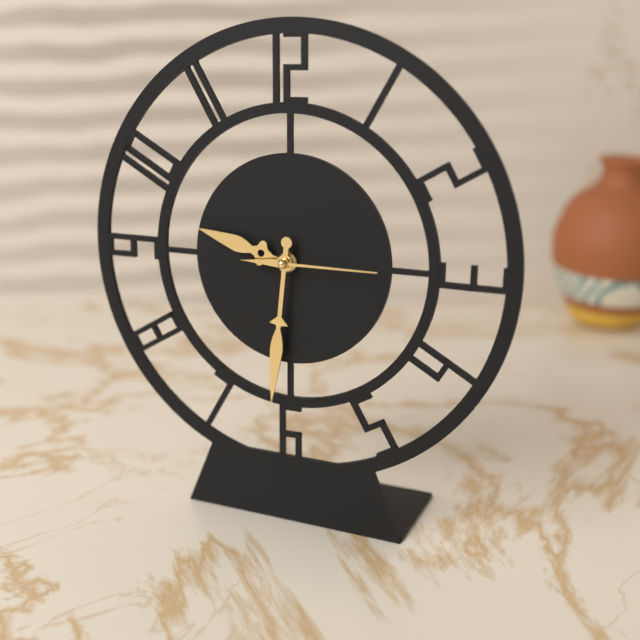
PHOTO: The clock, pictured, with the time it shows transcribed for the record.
9:31:15
